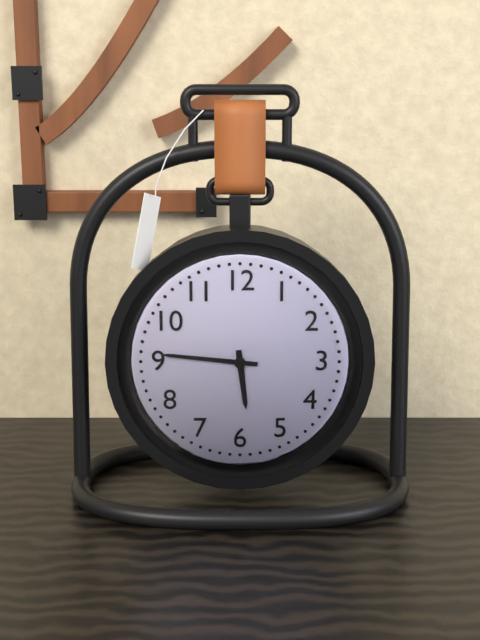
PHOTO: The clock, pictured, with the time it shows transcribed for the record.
5:46
